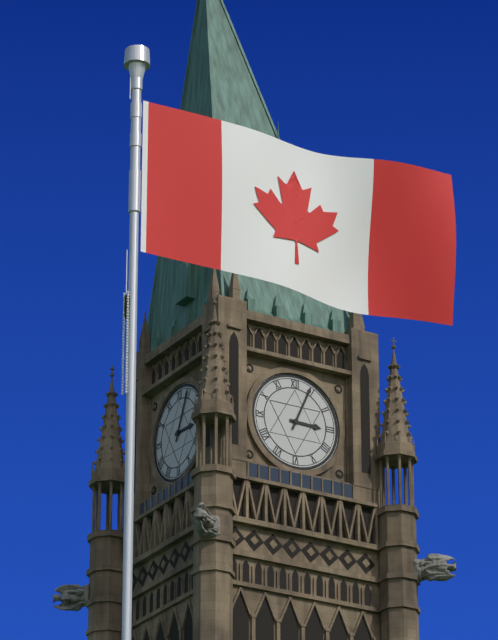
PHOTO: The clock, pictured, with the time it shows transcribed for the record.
3:04
